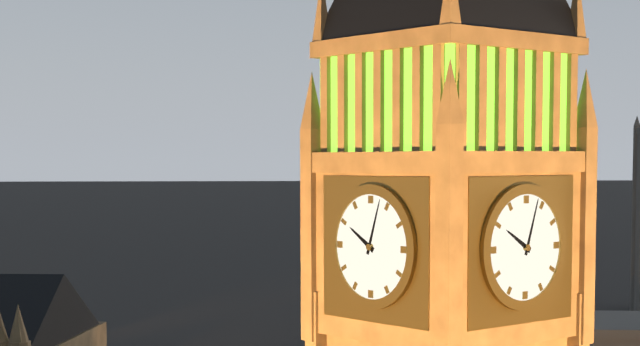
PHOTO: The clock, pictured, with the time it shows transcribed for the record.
10:03
